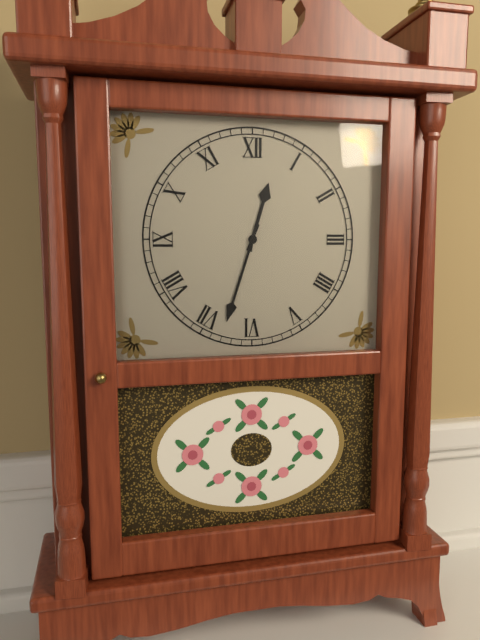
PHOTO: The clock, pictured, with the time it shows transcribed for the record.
12:33
